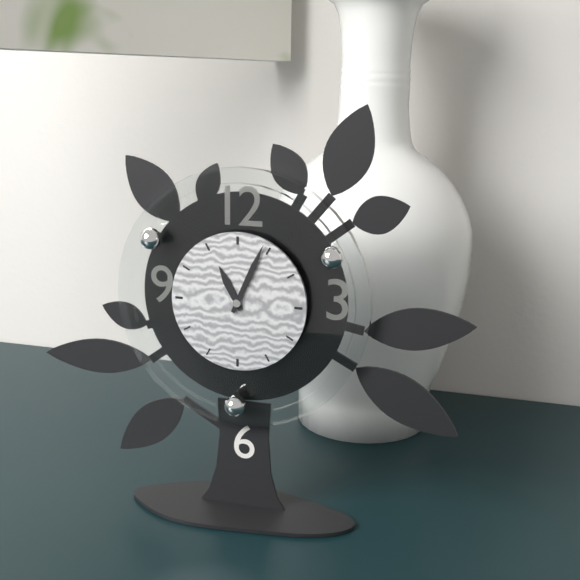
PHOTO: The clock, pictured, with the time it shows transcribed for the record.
11:04
